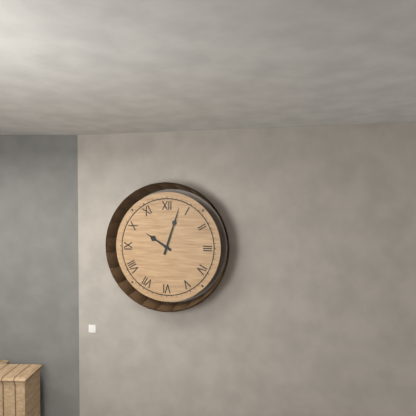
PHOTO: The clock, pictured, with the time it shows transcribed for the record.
10:03
